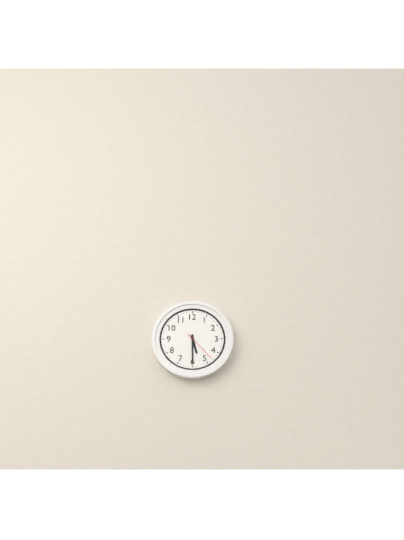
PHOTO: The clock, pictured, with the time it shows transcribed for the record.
5:30
